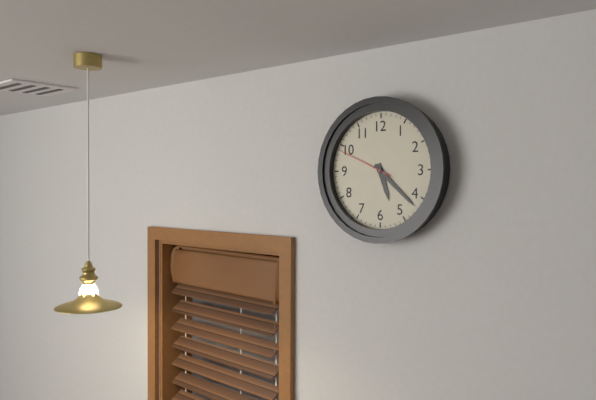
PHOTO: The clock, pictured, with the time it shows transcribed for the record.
5:22:49
